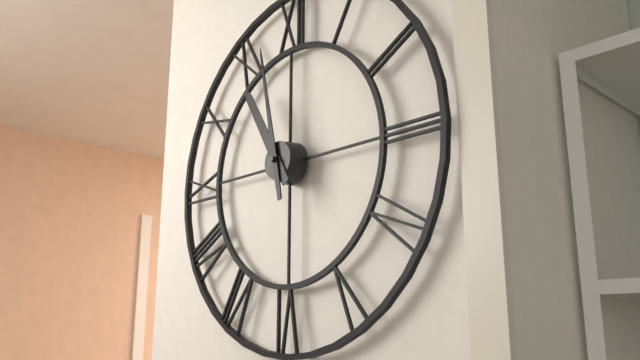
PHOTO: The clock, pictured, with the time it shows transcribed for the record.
10:58
